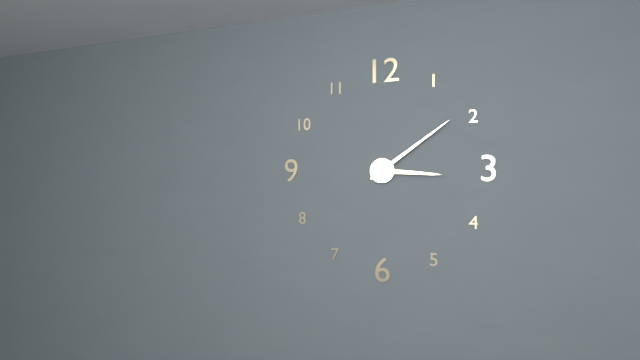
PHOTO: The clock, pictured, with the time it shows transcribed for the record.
3:09
